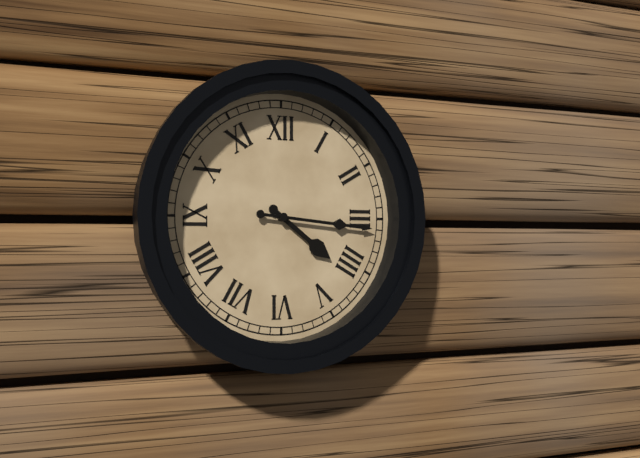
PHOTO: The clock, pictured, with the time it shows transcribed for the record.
4:16
